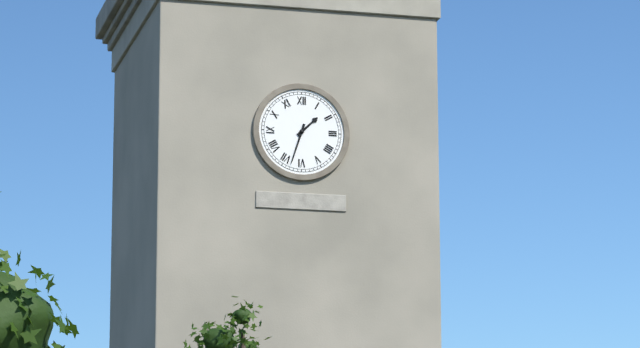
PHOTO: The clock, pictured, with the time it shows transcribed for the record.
1:33
